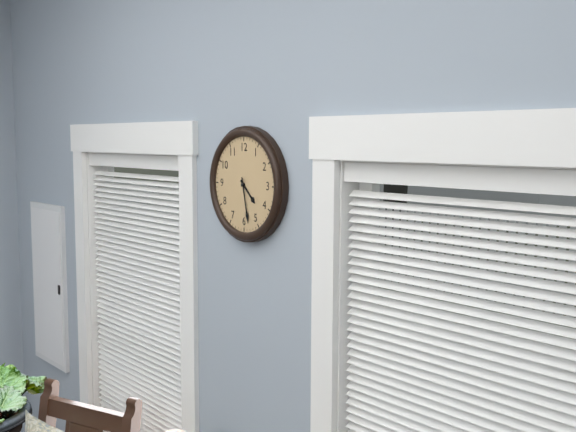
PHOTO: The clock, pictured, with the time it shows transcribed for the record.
4:28
